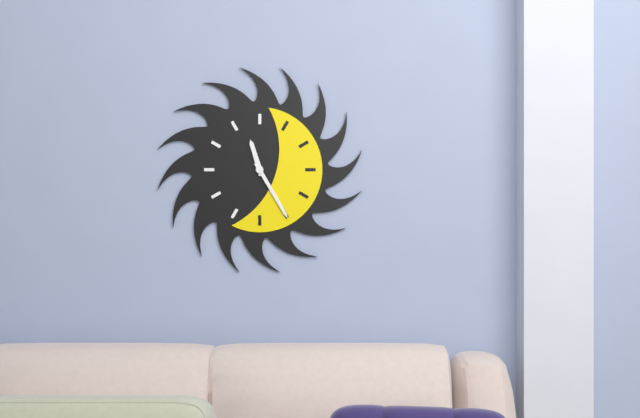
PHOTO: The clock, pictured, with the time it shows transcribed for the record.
11:25
